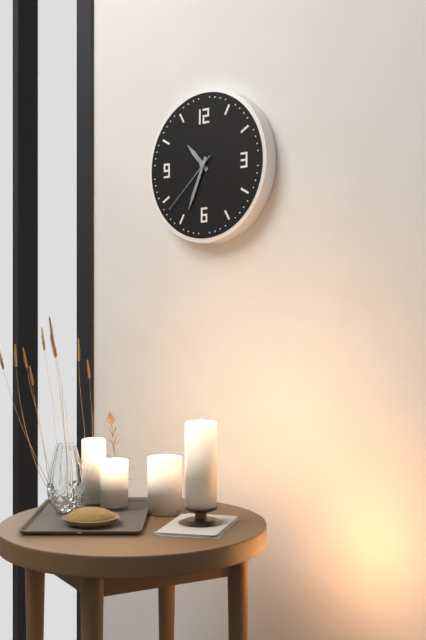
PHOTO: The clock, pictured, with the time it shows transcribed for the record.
10:34:38
